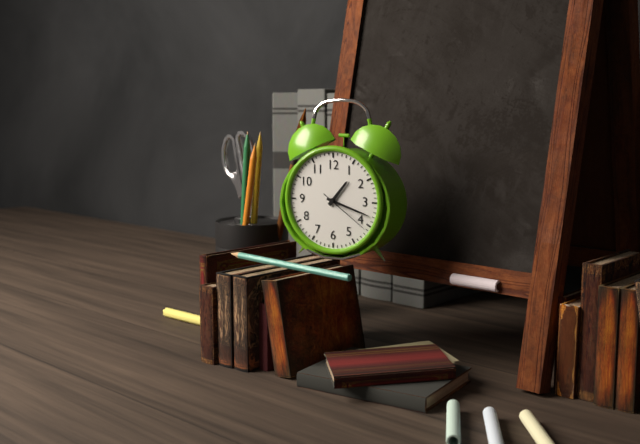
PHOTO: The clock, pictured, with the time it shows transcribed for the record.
1:18:21
